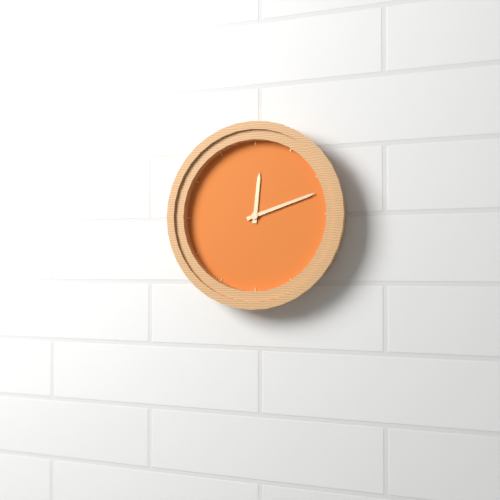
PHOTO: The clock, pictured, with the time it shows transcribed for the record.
12:12
